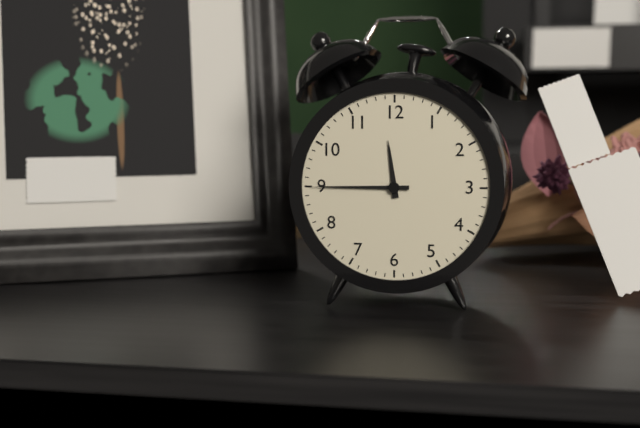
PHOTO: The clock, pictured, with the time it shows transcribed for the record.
11:45
